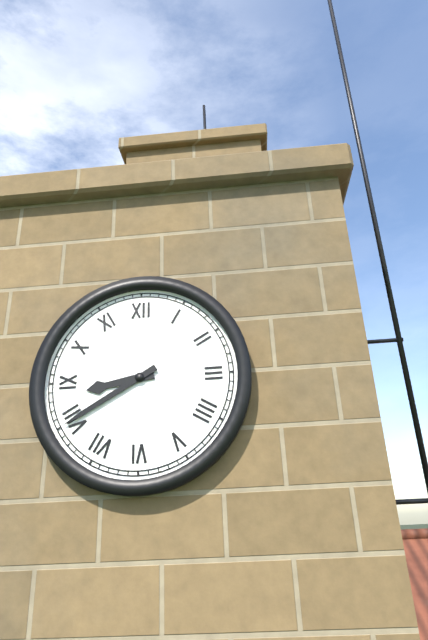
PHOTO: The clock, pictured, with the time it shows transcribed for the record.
8:40
